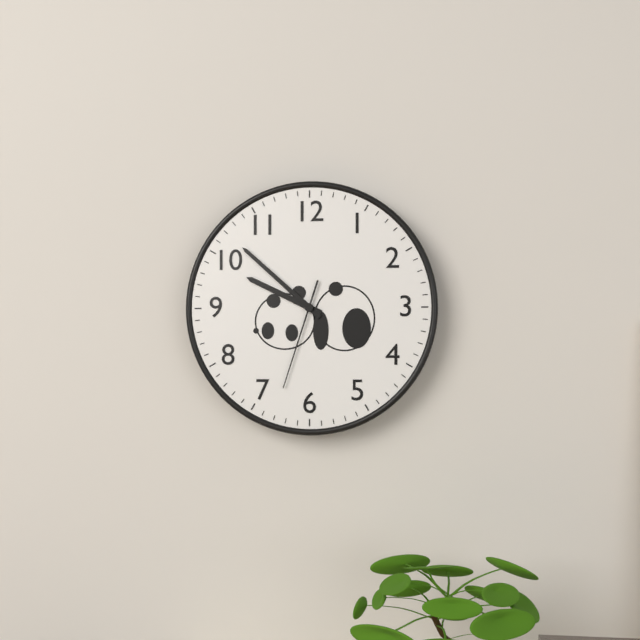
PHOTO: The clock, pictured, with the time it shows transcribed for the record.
9:52:33
